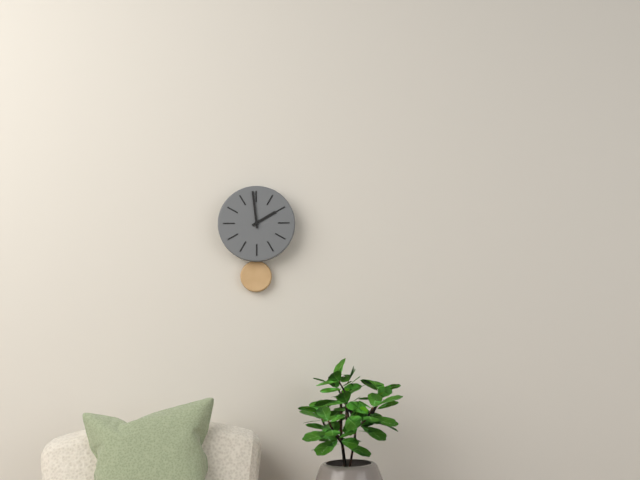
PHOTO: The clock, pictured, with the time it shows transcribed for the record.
1:59
